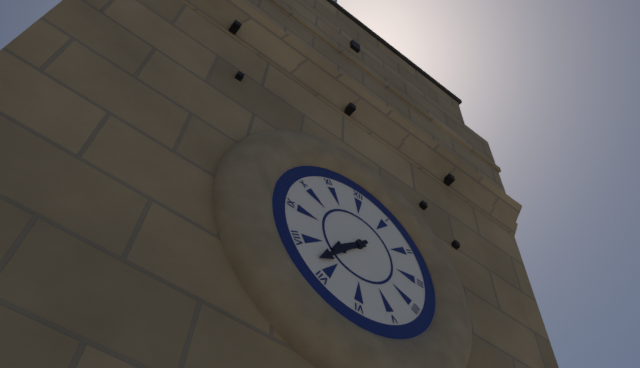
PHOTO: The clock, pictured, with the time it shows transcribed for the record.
7:37
